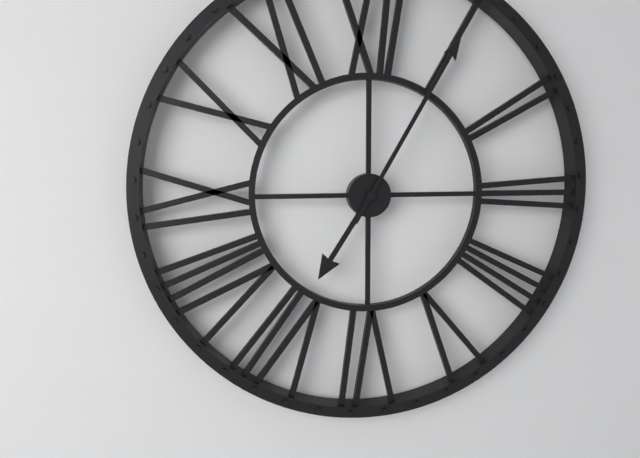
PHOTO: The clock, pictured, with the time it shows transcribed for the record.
7:05
